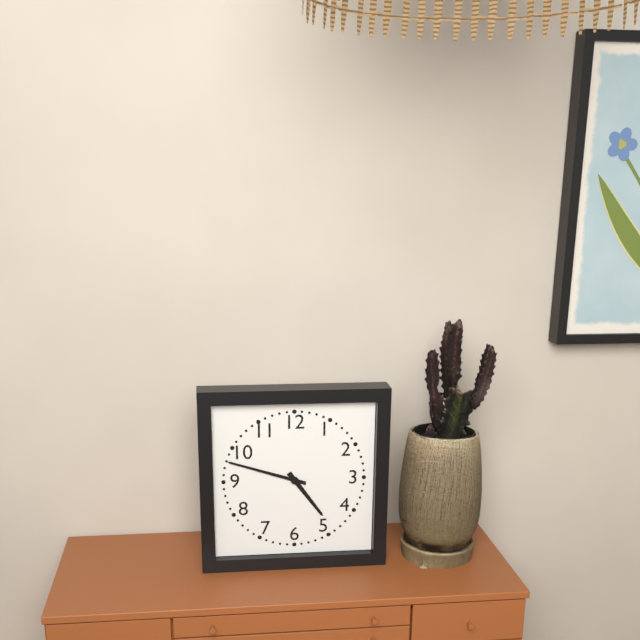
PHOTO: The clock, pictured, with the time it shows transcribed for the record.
4:48
